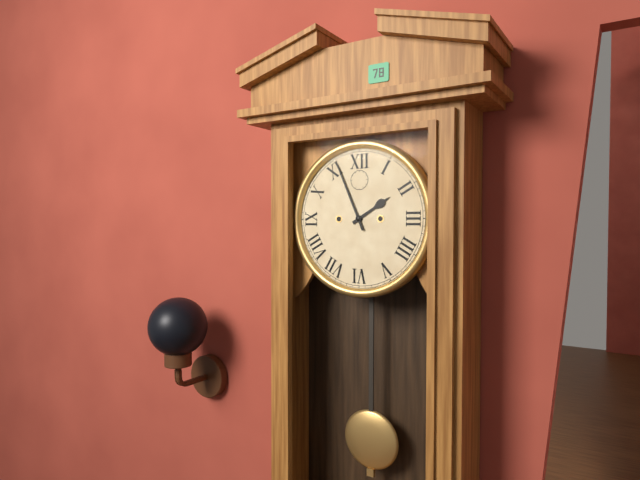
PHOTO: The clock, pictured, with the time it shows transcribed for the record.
1:56
